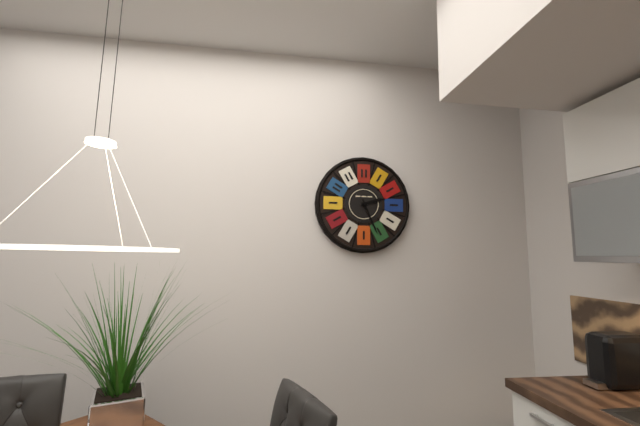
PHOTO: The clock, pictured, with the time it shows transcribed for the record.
2:26
